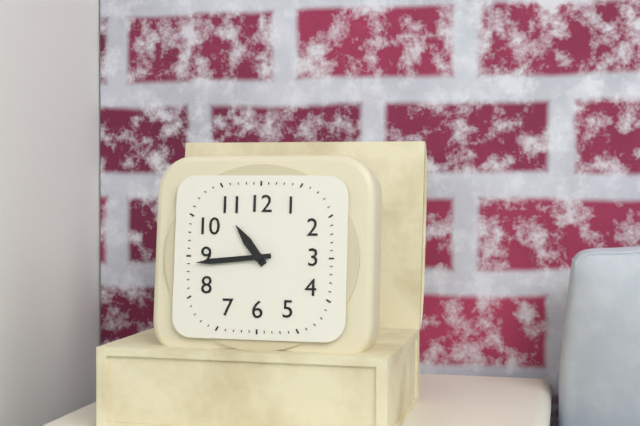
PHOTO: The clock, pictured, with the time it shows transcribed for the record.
10:44
